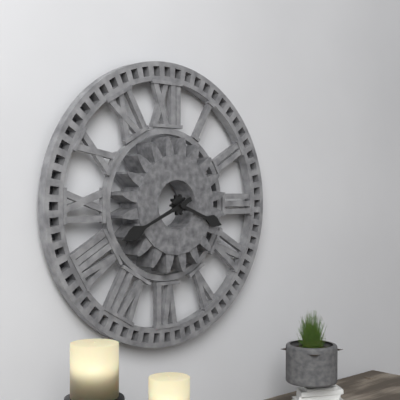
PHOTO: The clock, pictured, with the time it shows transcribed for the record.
3:41
